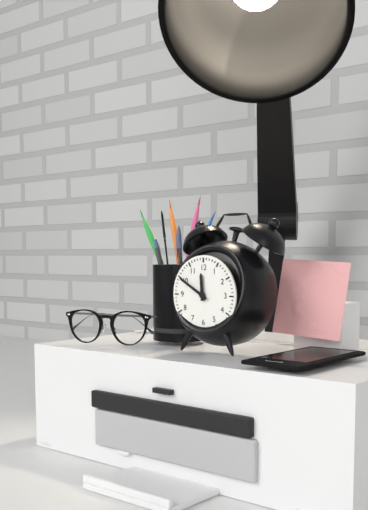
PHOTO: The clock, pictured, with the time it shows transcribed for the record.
11:50
